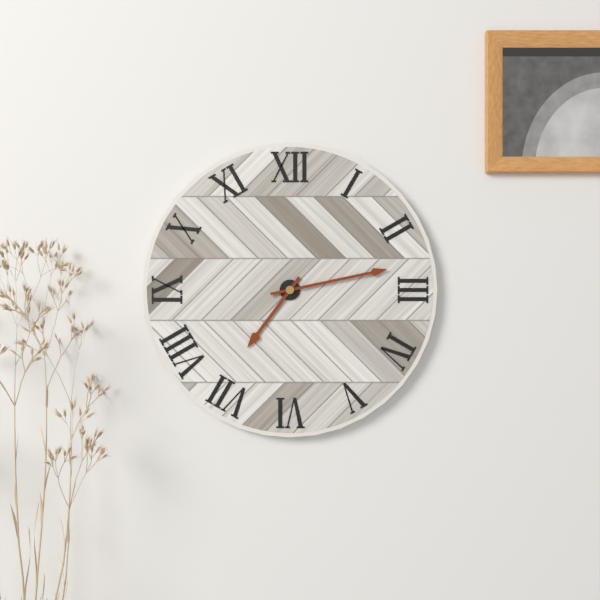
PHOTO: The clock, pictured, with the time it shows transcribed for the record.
7:13
